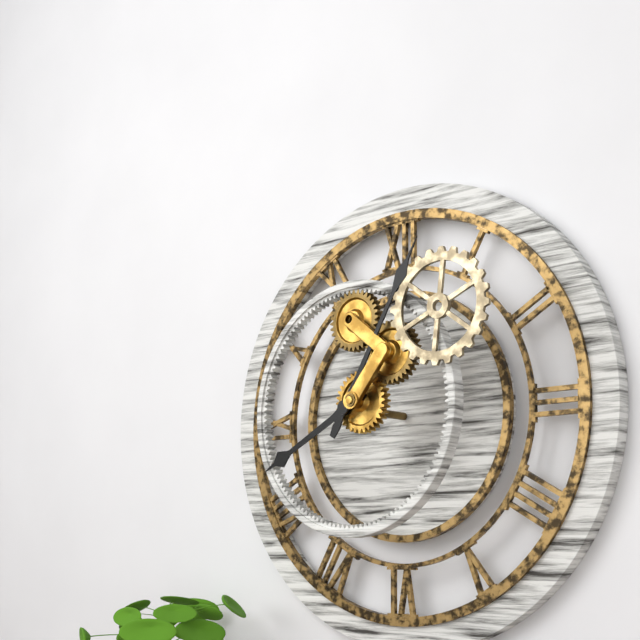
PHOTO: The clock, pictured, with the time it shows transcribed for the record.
8:05
